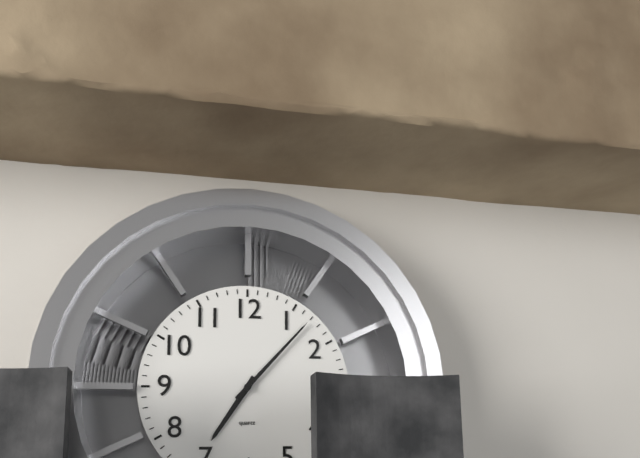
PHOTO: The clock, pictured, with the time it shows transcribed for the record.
7:07
